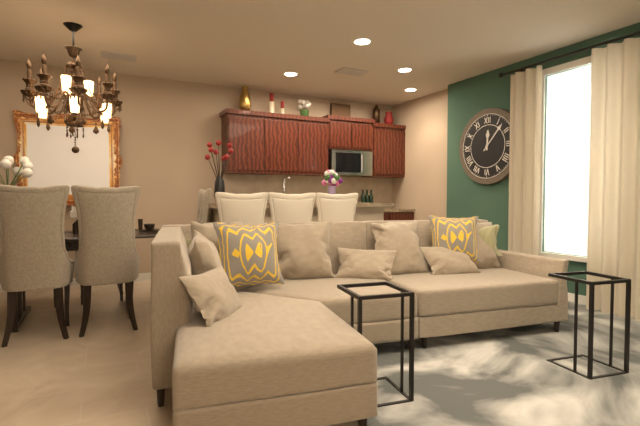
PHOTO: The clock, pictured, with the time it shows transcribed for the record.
12:07
